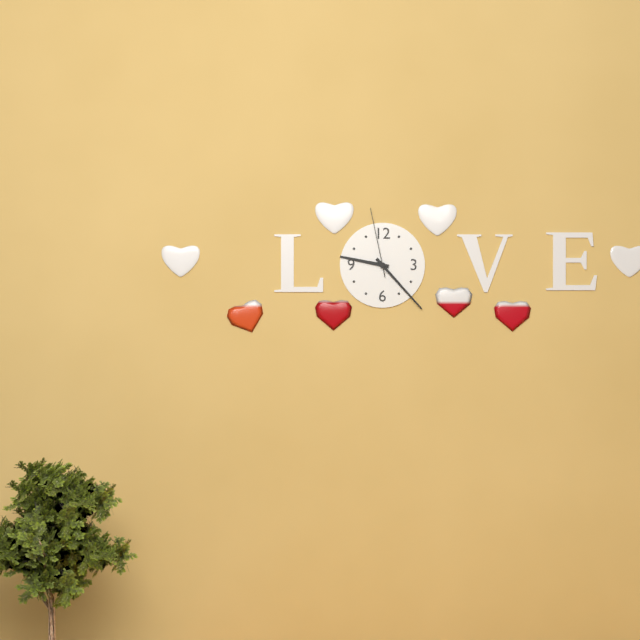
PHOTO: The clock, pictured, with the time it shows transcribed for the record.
9:23:58
